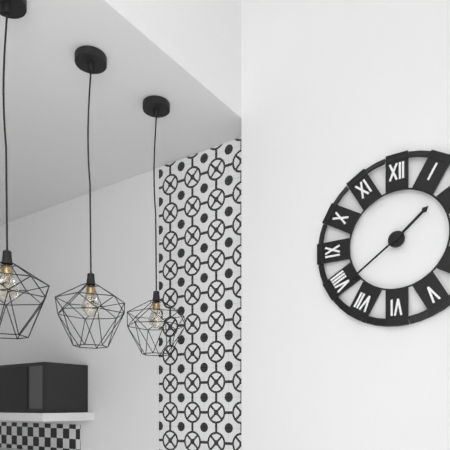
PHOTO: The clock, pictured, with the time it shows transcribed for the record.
1:39
